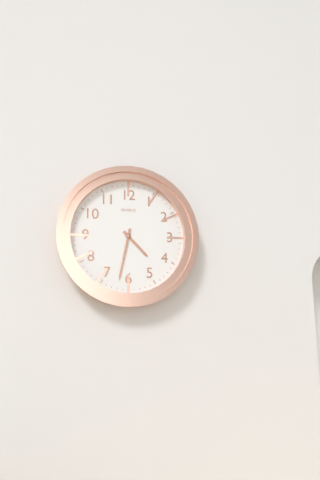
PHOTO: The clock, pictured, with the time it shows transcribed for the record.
4:32
